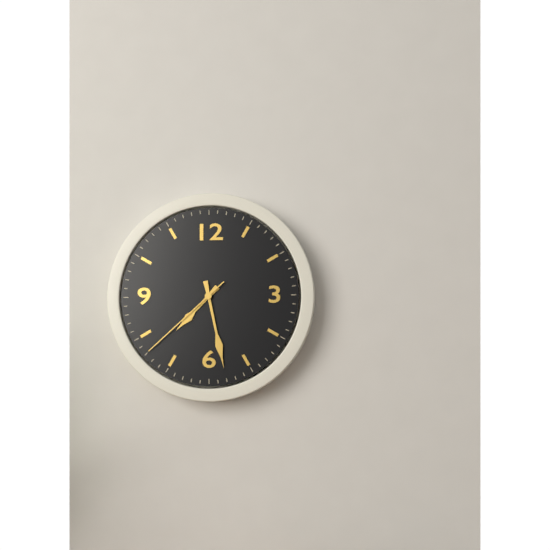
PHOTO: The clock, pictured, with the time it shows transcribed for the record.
7:28:38
